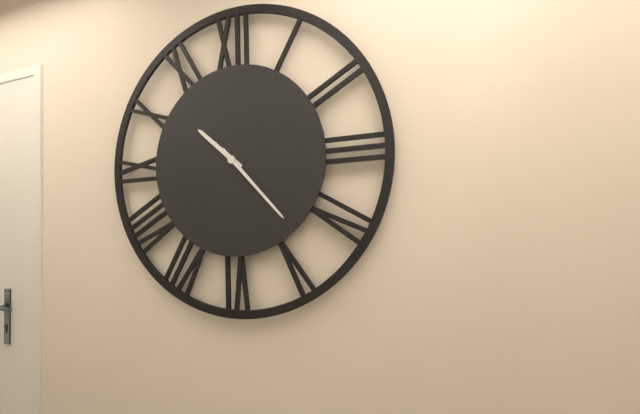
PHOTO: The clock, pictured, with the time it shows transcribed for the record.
10:23
